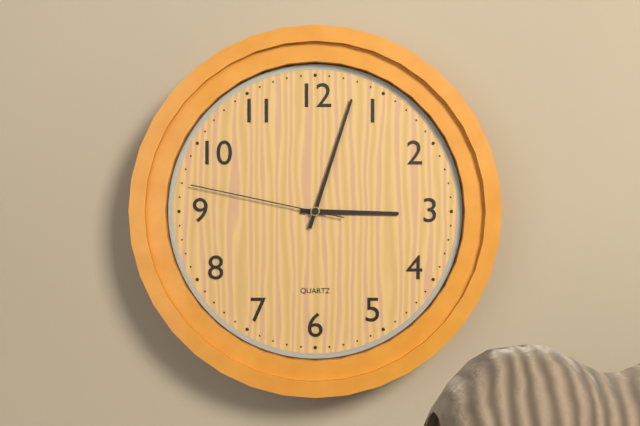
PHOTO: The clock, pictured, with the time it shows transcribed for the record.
3:03:47
